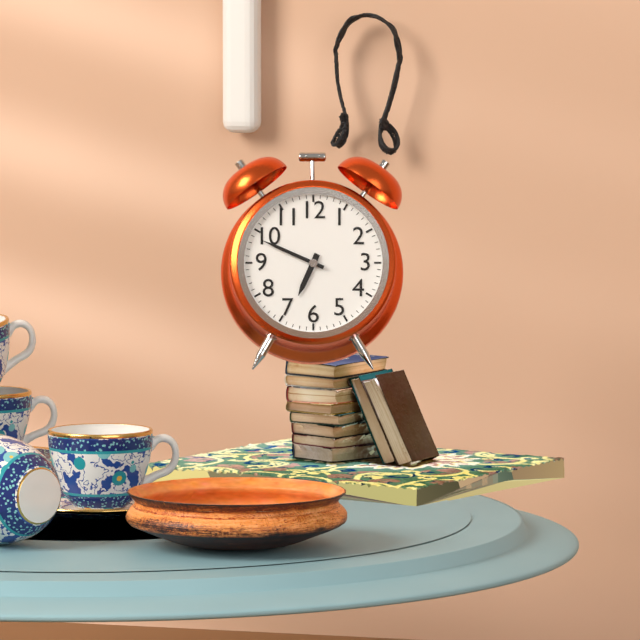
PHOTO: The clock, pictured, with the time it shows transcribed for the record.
6:49
